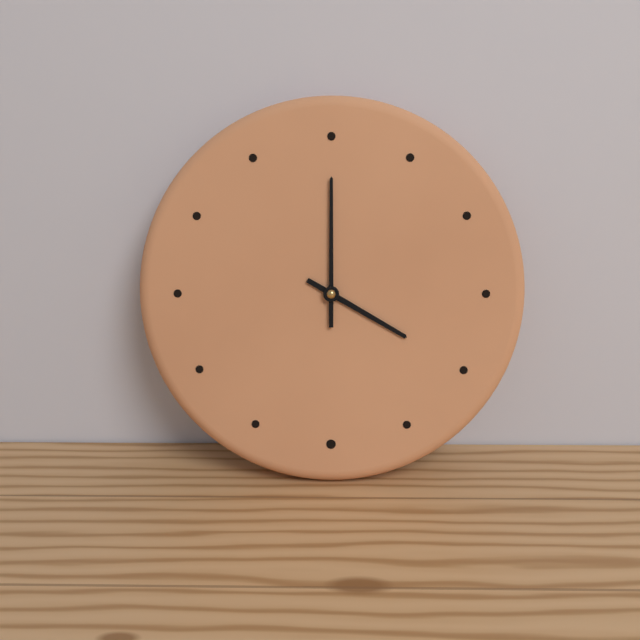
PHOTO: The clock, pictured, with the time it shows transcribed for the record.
4:00
